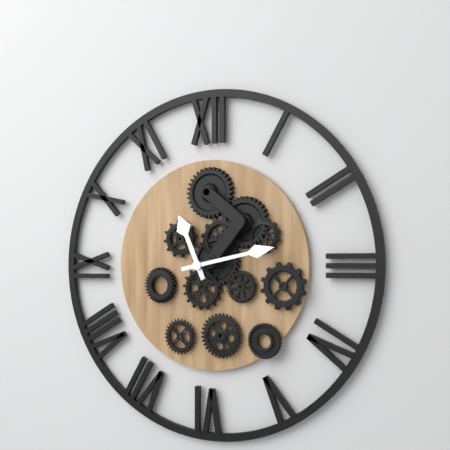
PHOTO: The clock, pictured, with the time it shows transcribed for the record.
11:13
